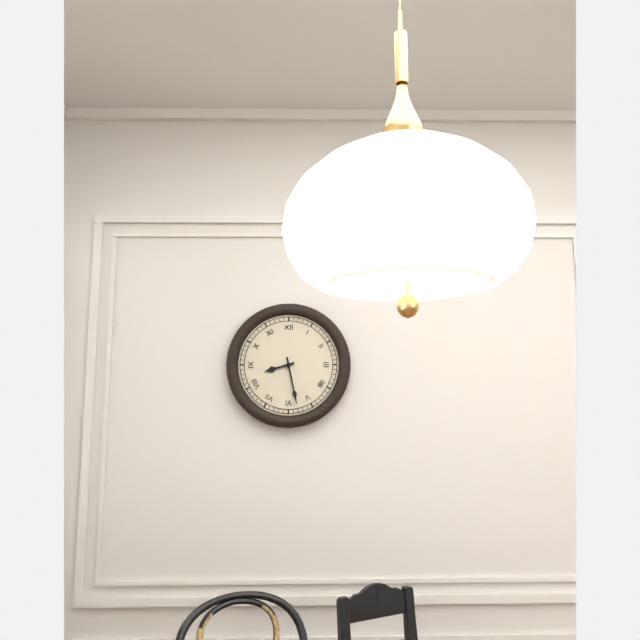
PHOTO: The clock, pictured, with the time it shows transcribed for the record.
8:28
